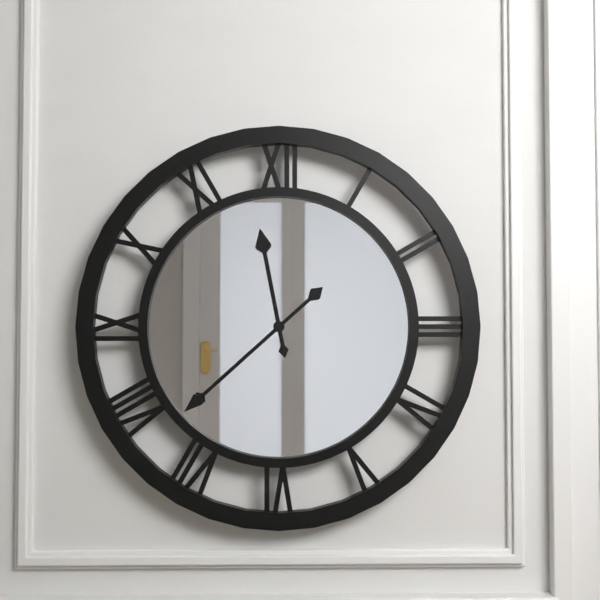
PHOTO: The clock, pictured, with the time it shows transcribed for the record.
11:38
